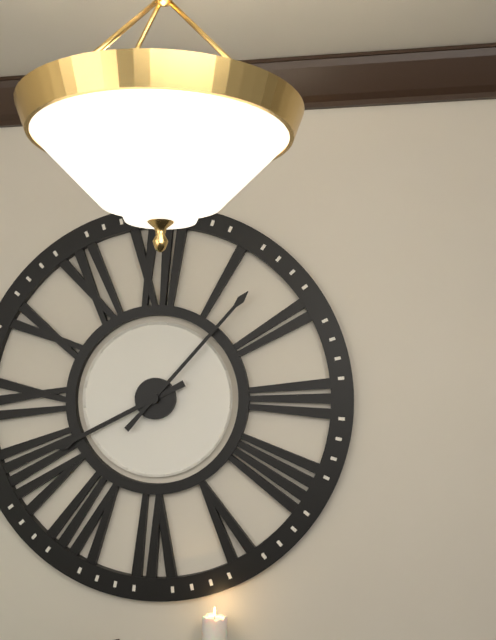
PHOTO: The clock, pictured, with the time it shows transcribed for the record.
8:07
